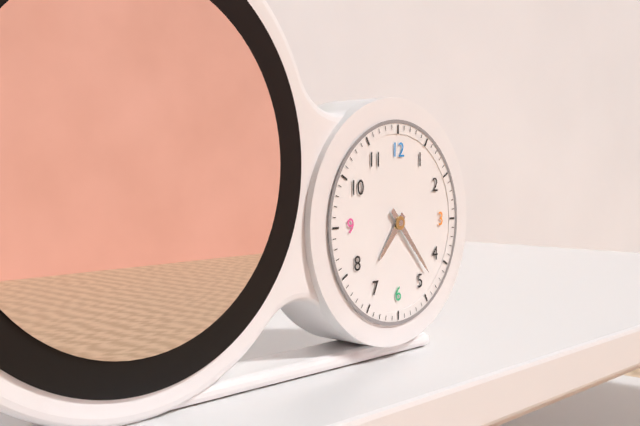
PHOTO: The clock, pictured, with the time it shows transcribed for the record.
7:23
